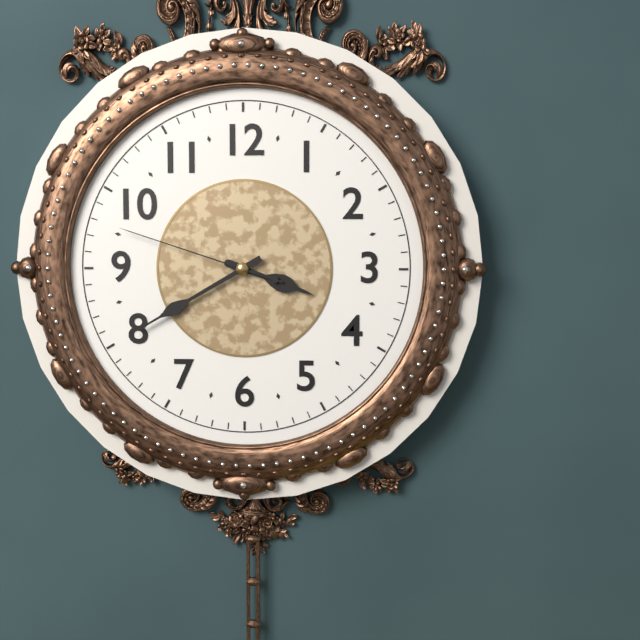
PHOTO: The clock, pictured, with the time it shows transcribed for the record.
3:40:48
